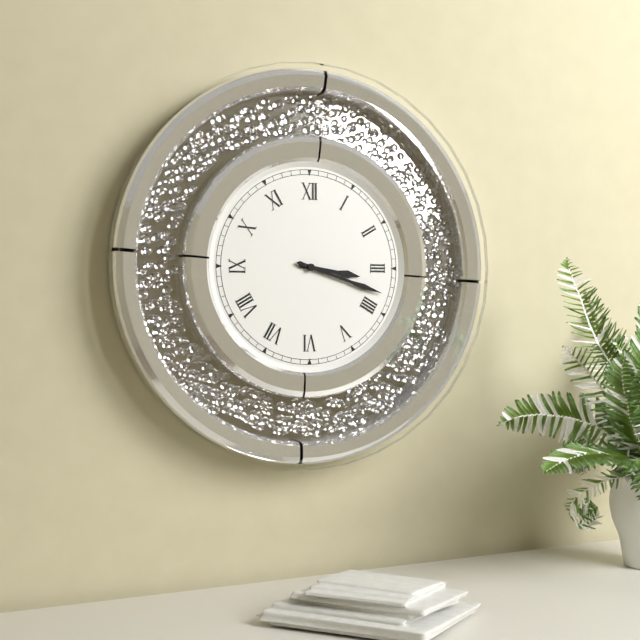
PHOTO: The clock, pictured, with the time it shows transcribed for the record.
3:18
